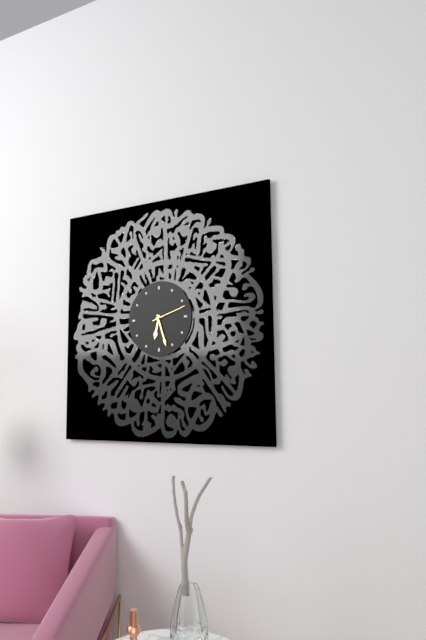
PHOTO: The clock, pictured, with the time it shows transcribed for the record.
6:27
